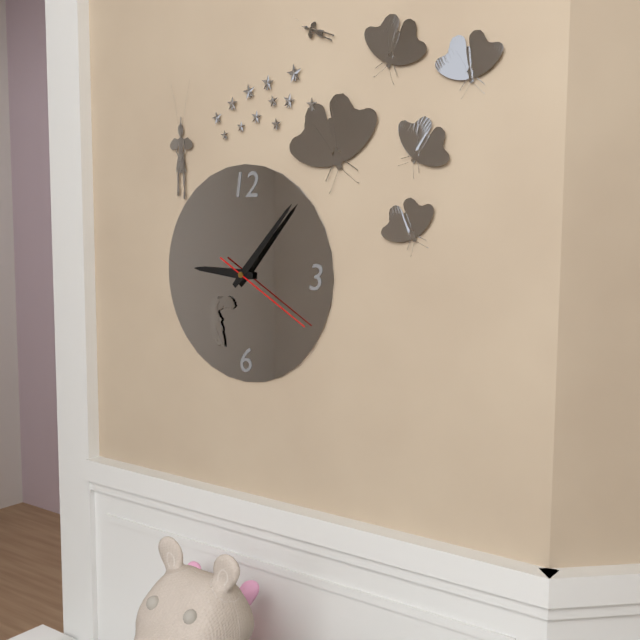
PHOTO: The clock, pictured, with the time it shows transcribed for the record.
9:07:20
